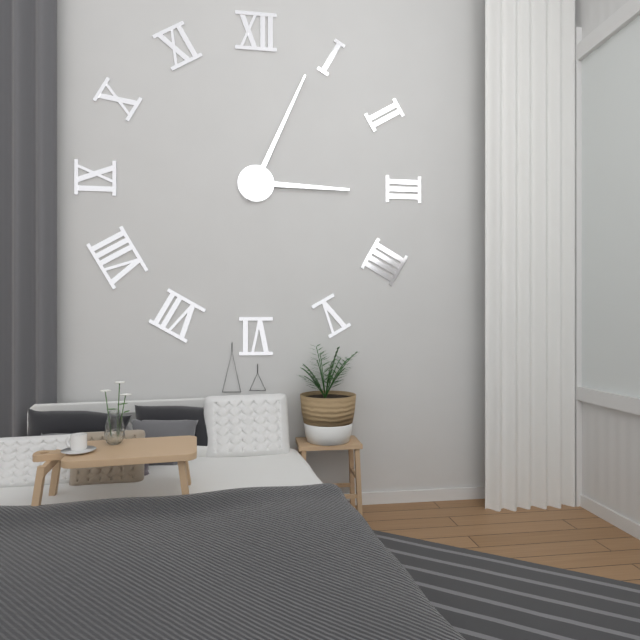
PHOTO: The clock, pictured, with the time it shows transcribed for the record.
3:04
